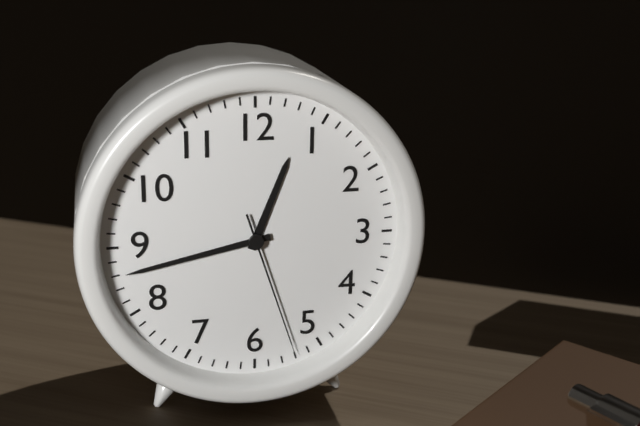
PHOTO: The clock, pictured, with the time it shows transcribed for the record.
12:43:27
